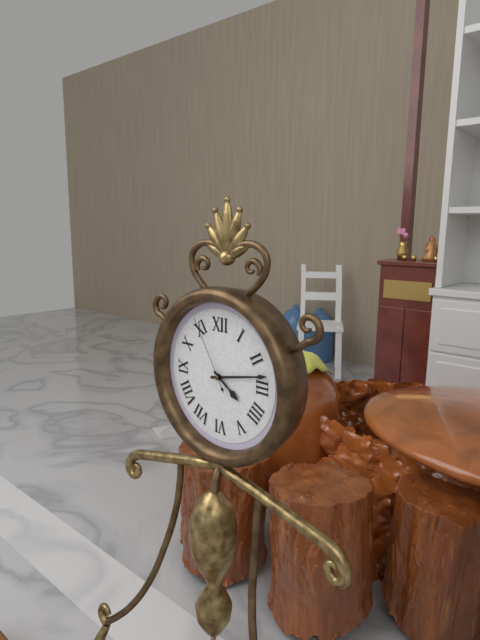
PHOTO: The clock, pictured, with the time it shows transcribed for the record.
4:13:55
